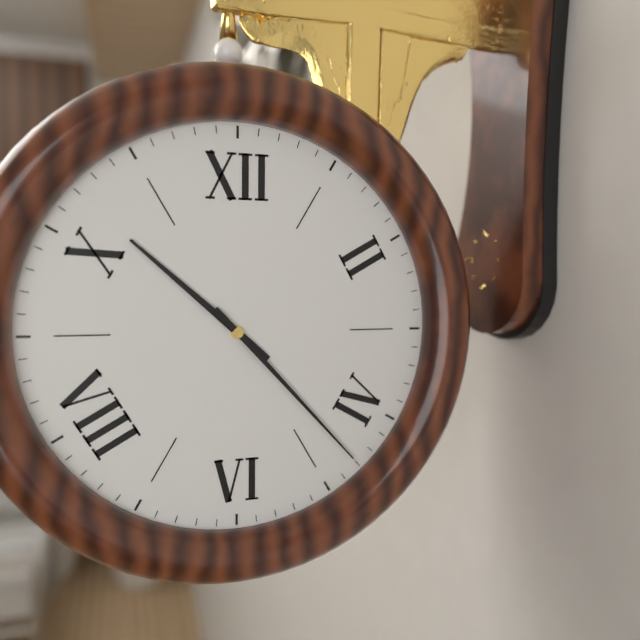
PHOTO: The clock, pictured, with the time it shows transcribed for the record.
10:23
